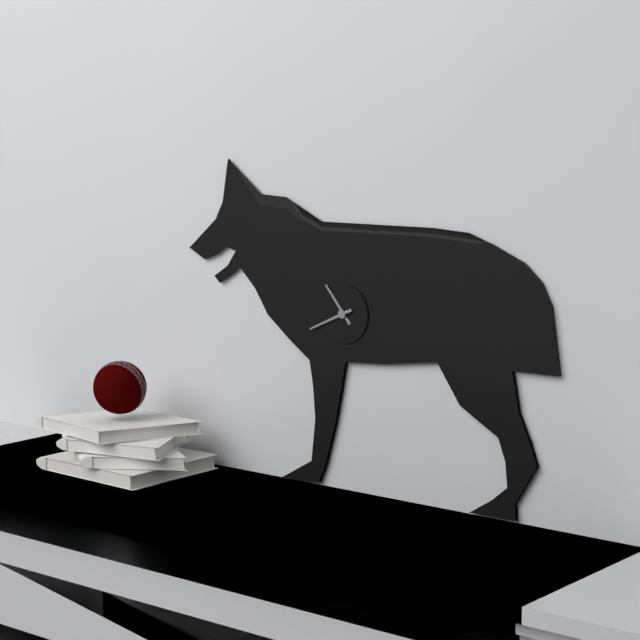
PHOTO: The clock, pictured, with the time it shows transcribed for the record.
10:41
